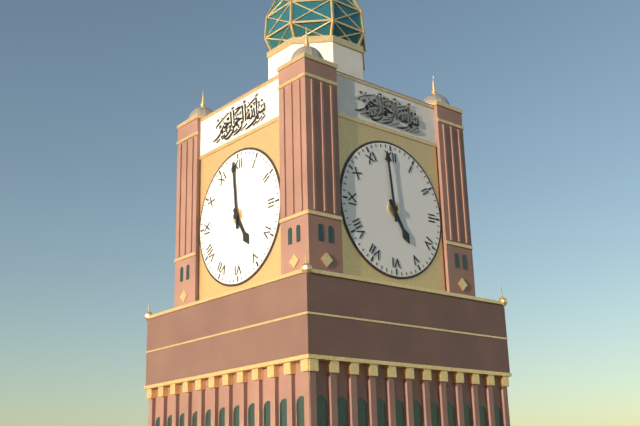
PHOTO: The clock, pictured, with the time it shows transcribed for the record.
4:59
